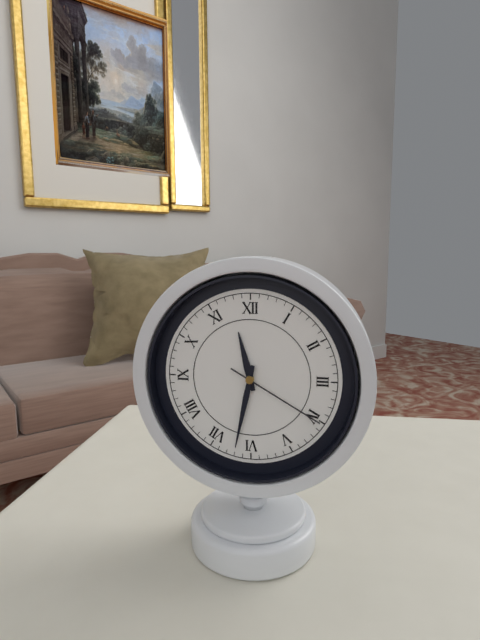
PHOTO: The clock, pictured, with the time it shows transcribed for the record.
11:32:20
